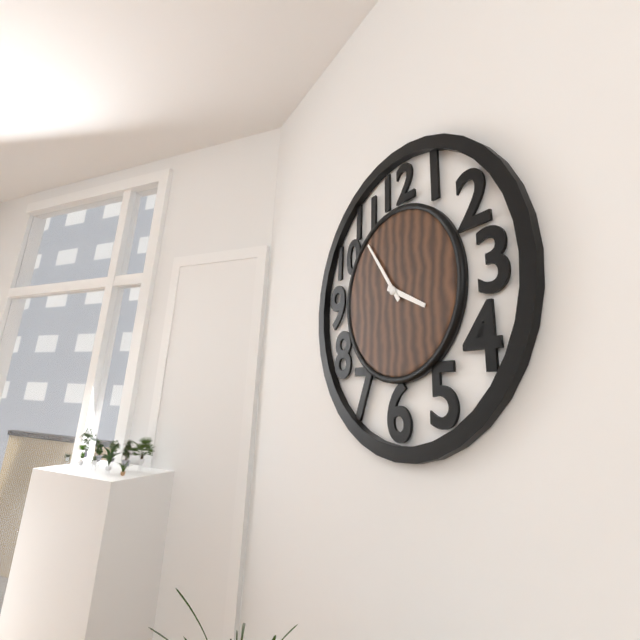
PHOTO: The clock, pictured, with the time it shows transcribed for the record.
3:54
